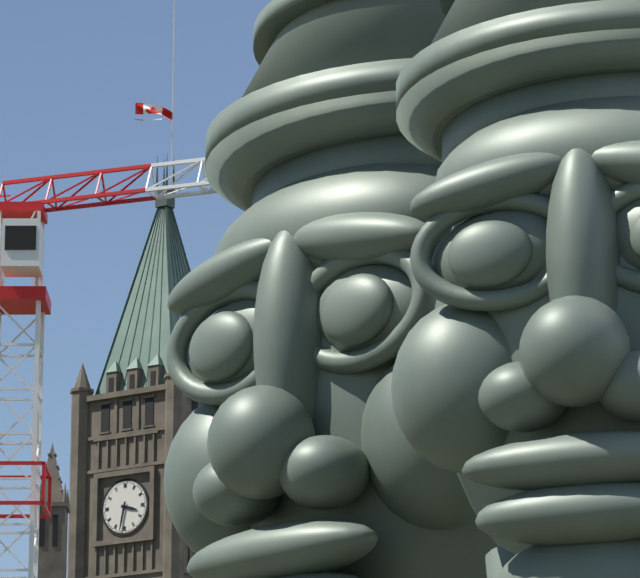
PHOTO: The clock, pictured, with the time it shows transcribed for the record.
3:32
